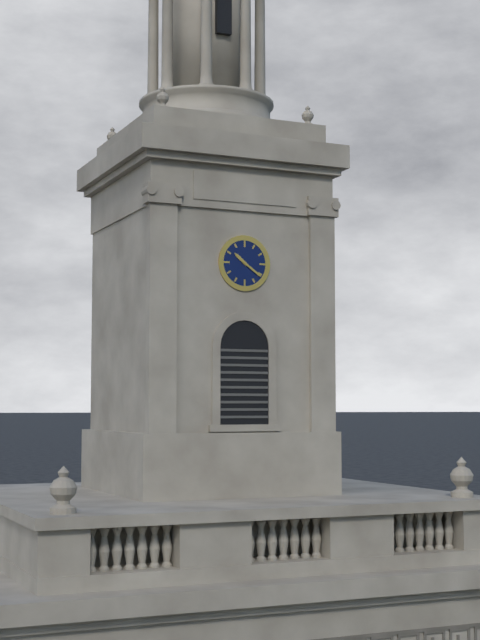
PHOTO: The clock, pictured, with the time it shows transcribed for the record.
10:21
